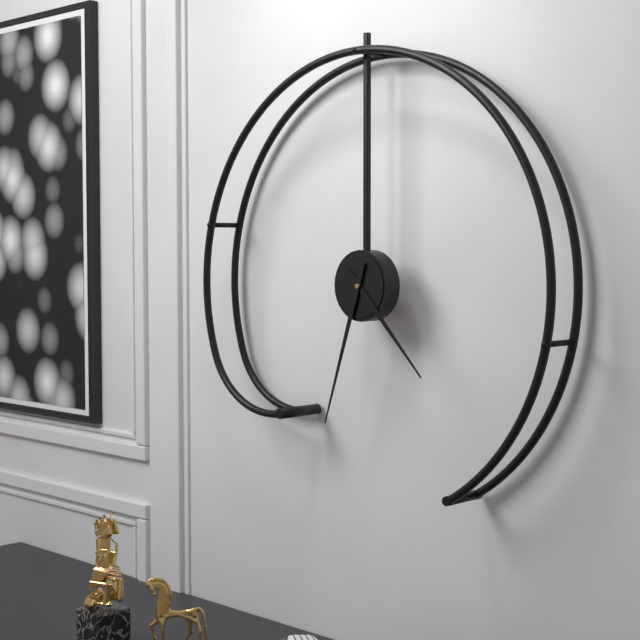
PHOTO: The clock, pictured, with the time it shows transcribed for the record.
4:33
